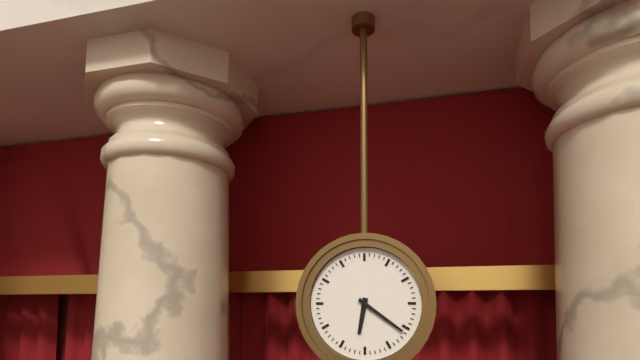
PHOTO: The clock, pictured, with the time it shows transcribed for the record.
6:21
